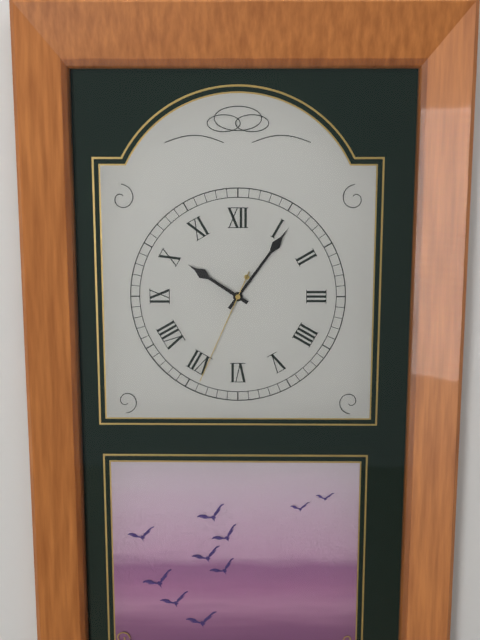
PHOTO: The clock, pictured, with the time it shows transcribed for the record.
10:06:34
